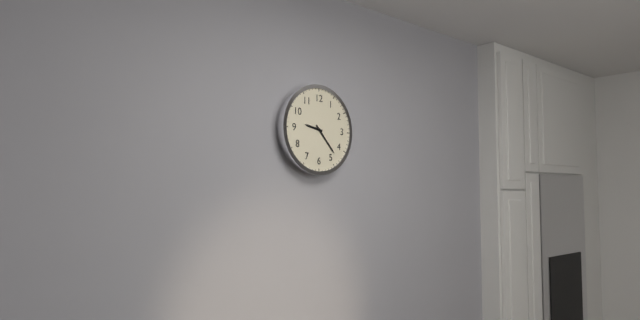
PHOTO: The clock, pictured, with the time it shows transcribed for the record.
9:23
